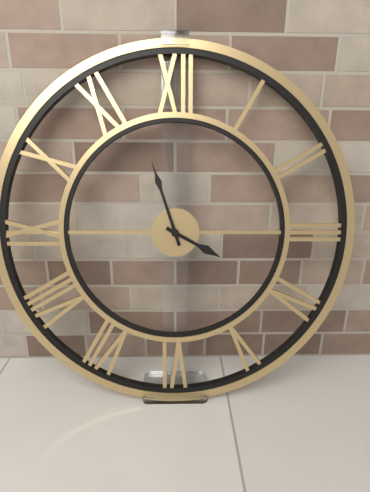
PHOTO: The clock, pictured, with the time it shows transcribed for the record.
3:57
